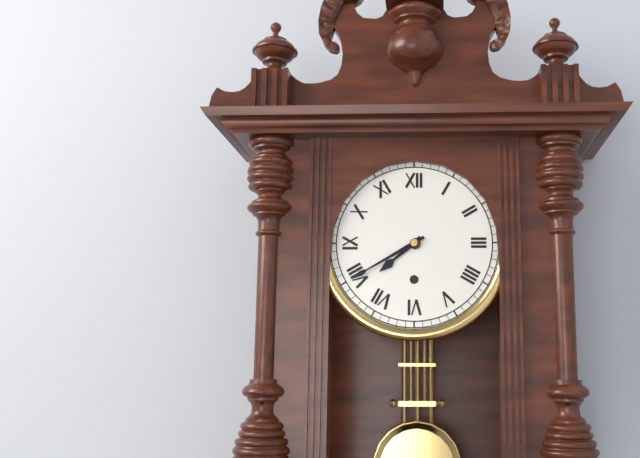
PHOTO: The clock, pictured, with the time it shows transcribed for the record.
7:40
